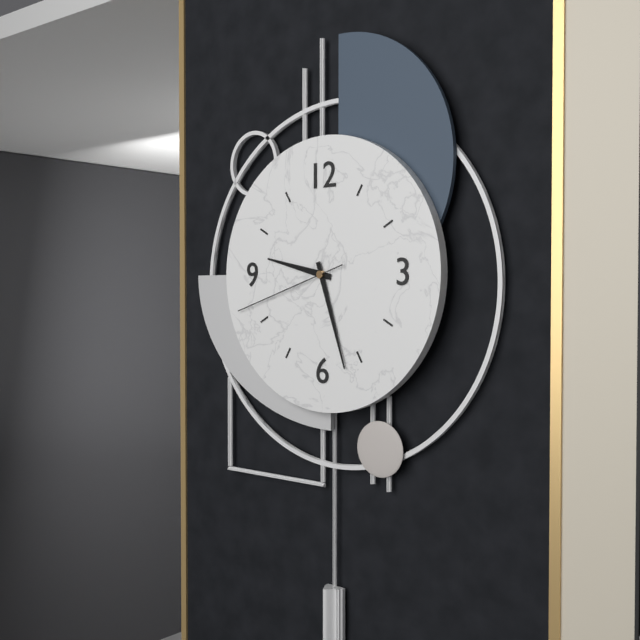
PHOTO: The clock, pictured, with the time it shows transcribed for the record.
9:27:42
